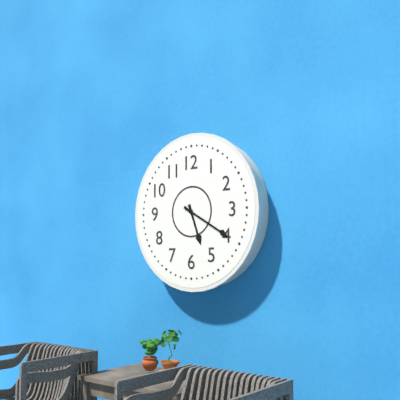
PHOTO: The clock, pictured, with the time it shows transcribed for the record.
5:20
